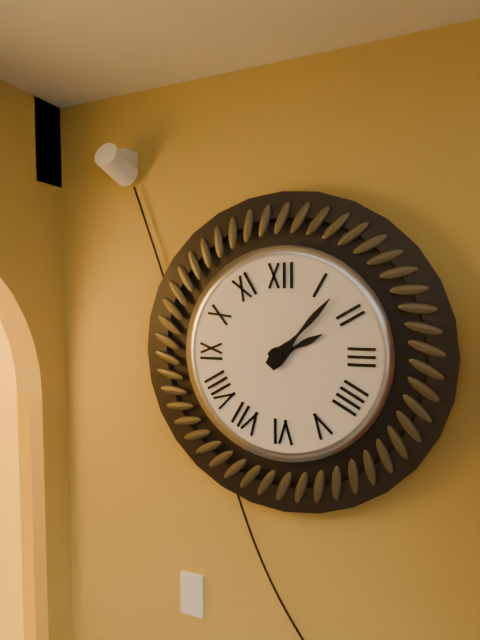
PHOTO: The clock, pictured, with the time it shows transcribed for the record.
2:07
